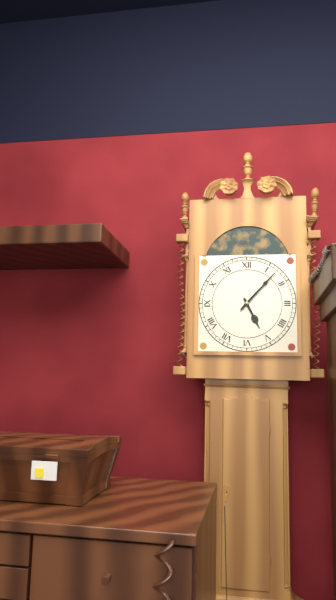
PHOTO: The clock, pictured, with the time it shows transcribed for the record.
5:07
